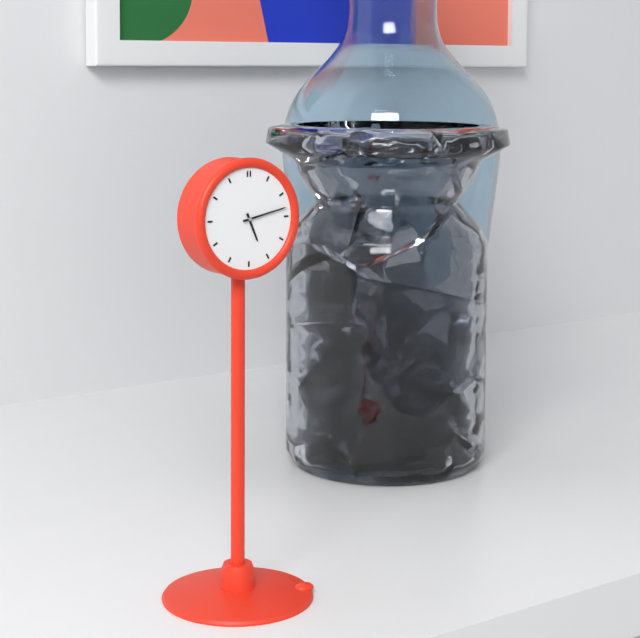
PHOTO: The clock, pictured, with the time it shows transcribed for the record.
5:13
